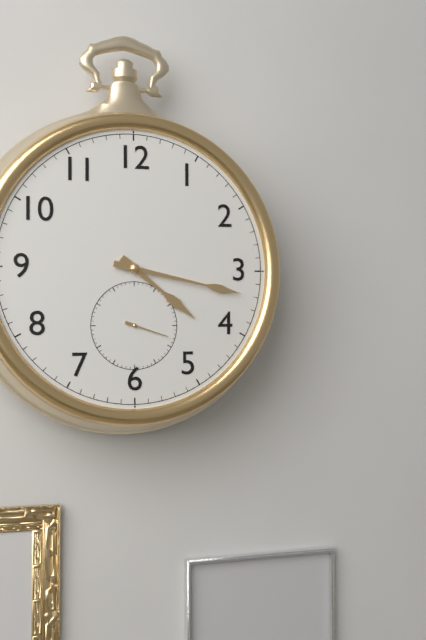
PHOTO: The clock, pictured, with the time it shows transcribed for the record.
4:17
